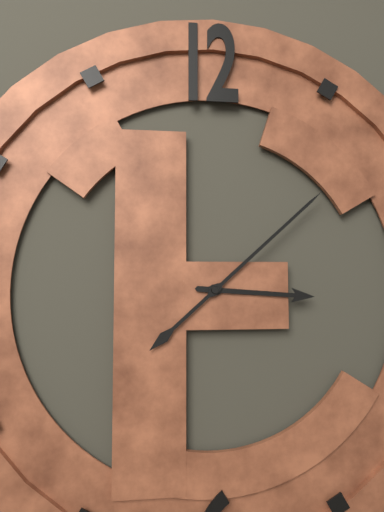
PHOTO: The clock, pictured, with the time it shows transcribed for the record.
3:08
